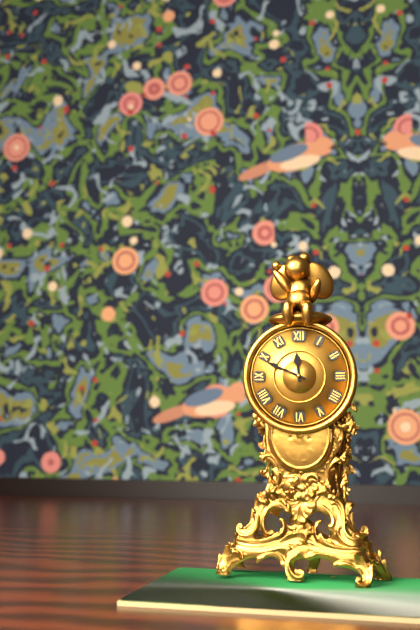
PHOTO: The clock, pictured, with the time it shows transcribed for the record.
11:49
